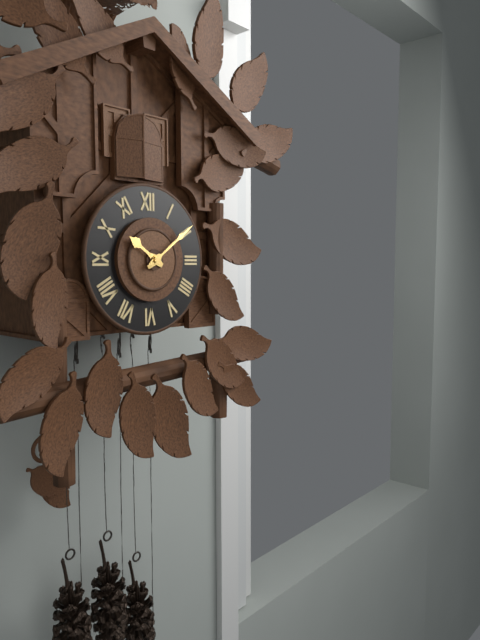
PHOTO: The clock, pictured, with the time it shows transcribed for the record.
10:09
